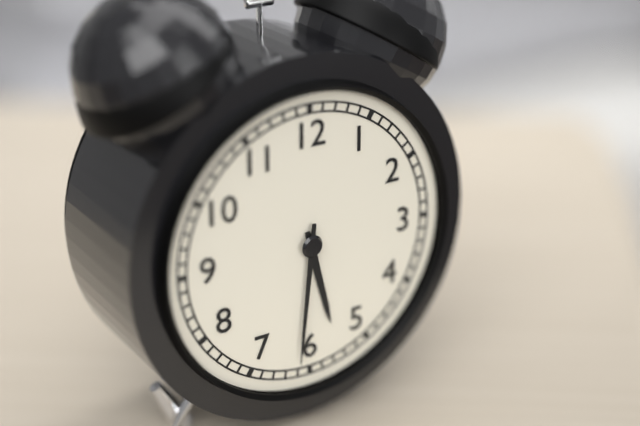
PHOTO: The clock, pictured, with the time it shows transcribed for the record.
5:31
